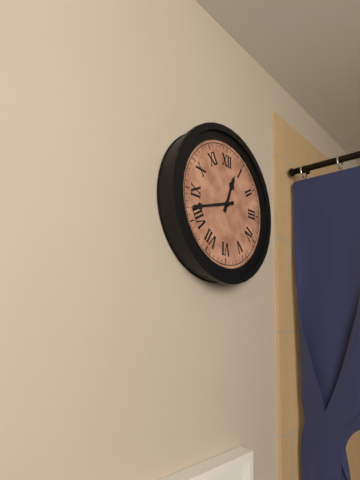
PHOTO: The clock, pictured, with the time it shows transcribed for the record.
12:42
